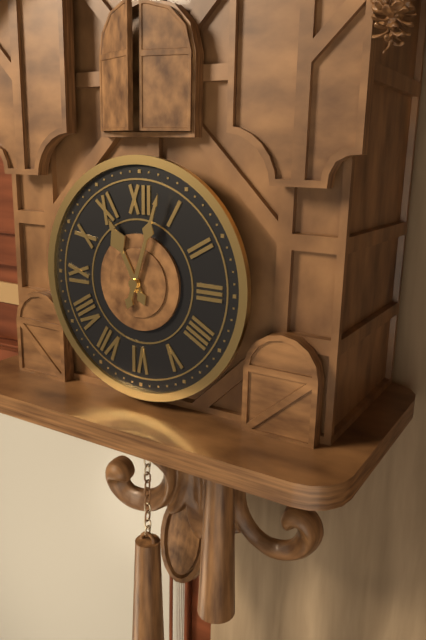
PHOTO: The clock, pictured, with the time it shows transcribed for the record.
11:03
